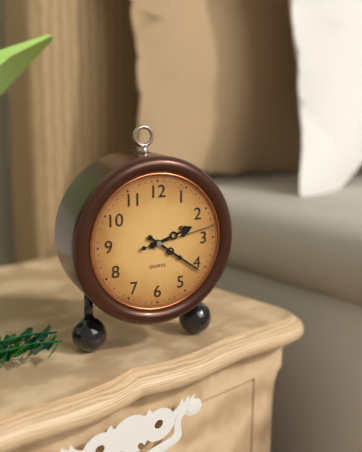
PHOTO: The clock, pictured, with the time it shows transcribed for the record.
2:21:13
